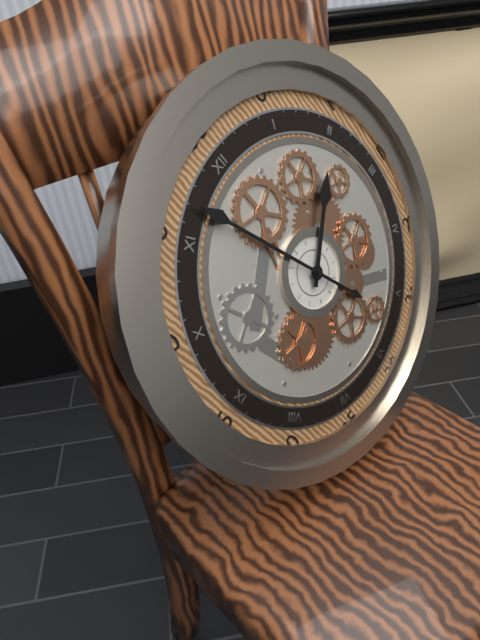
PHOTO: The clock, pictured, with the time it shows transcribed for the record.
1:57
